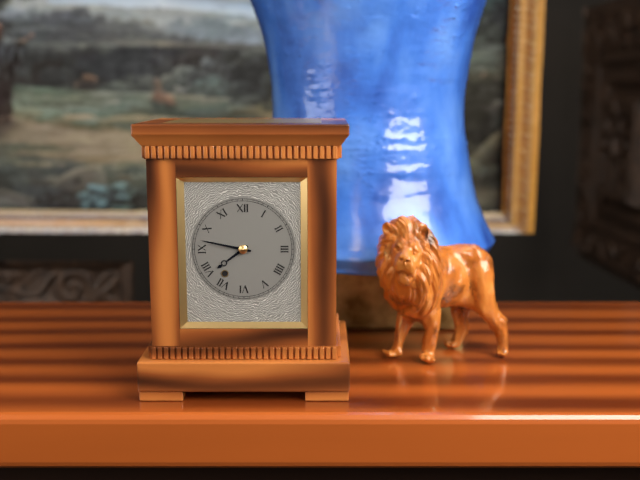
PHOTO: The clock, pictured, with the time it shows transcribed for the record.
7:47
